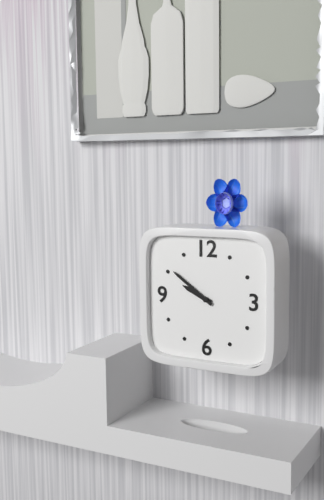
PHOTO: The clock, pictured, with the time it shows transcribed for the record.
9:51
